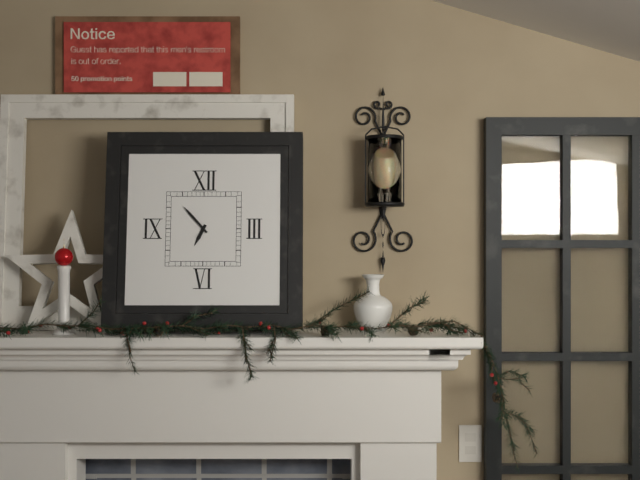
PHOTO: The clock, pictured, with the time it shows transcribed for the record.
6:53
